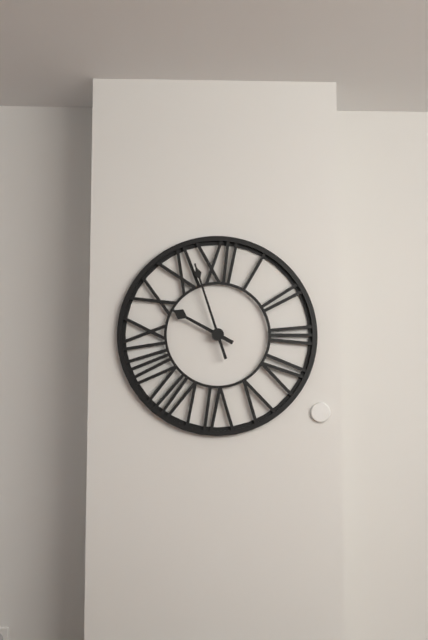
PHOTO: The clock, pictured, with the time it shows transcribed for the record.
9:57
